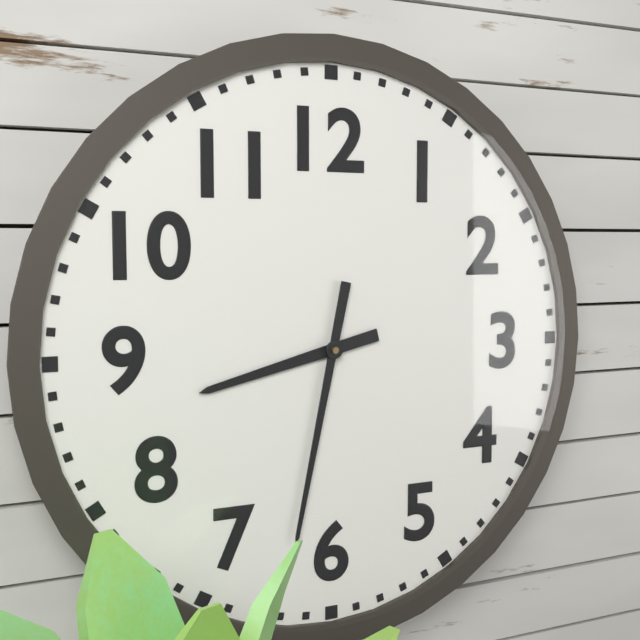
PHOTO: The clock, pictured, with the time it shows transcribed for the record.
8:32
